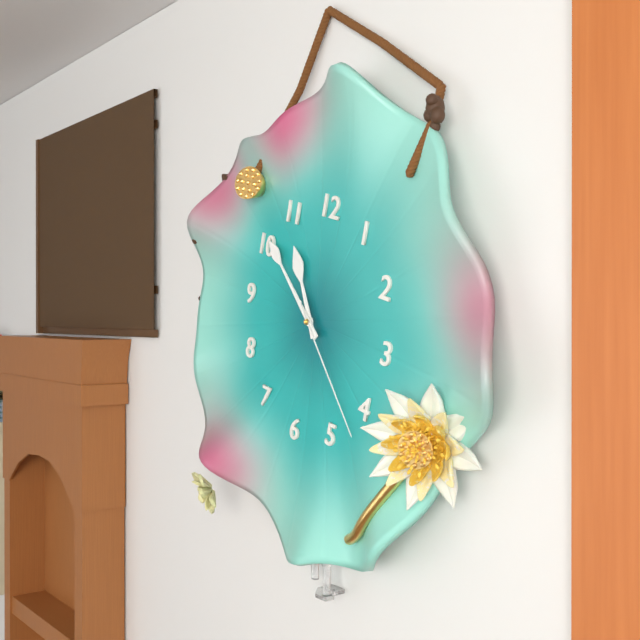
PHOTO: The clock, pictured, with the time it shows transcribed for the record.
10:51:22
